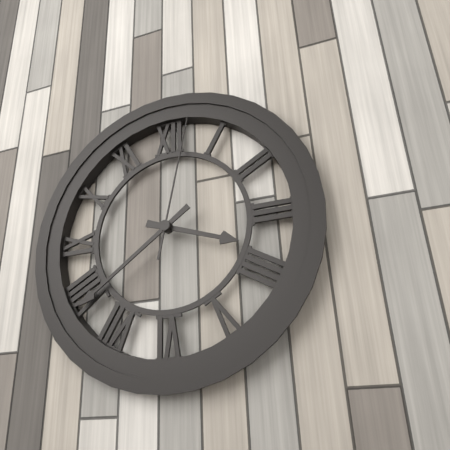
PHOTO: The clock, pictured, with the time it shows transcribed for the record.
3:39:02
